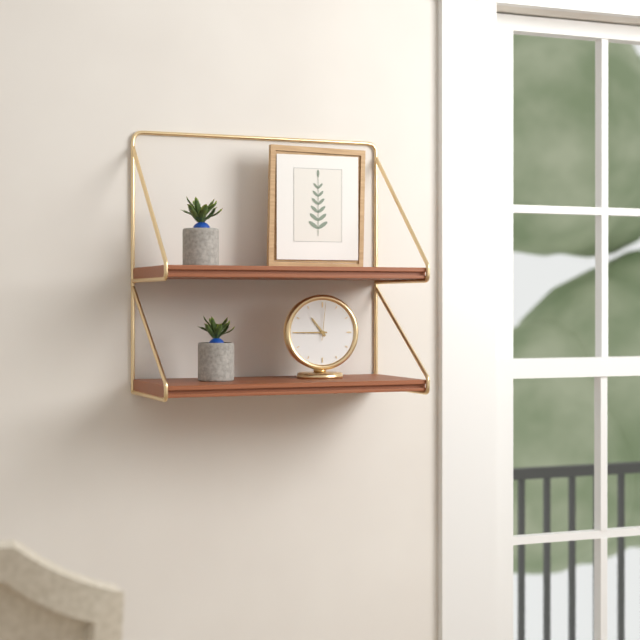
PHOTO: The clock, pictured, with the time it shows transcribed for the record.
10:45
